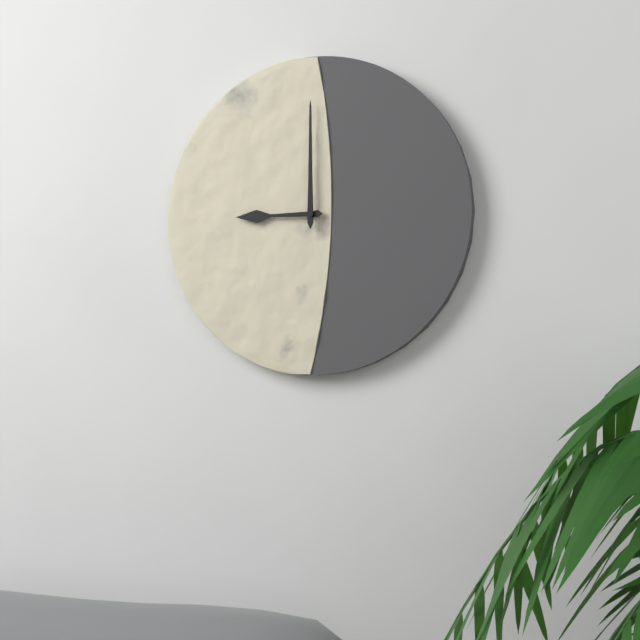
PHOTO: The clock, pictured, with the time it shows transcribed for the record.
9:00
